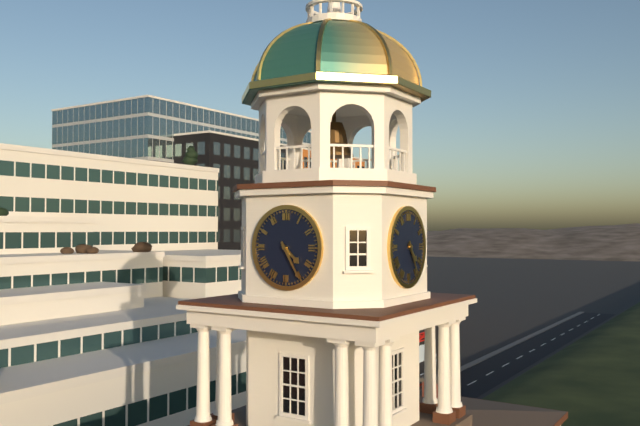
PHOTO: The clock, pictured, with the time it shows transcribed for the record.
4:25
